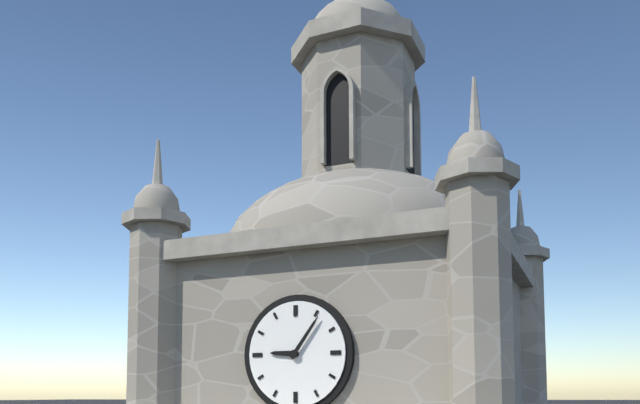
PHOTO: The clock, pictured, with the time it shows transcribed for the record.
9:06
